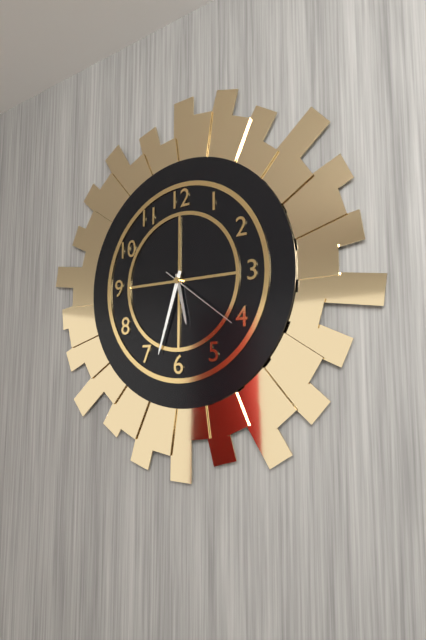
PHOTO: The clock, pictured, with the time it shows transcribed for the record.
5:33:21
